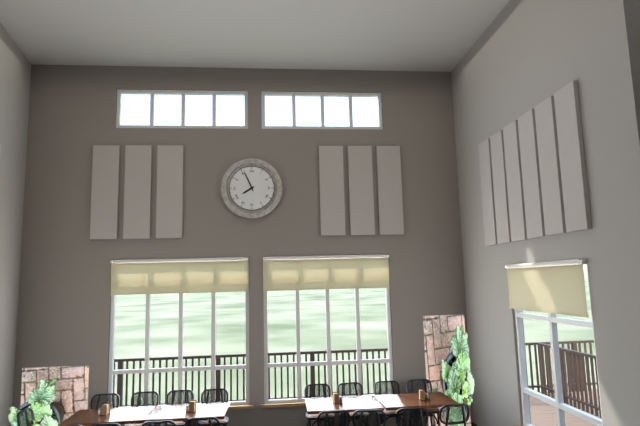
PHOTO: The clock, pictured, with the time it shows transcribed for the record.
7:56
